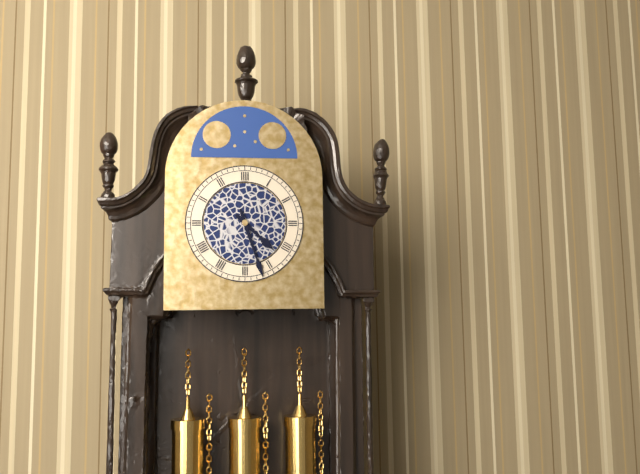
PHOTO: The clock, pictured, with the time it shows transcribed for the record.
4:27
